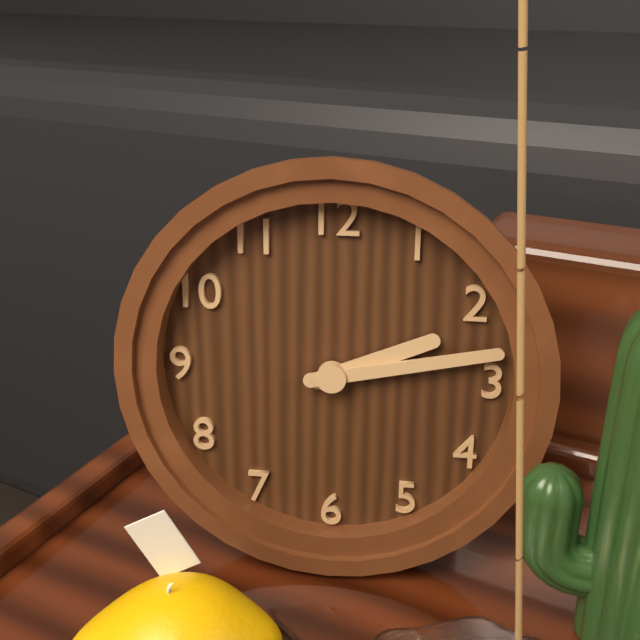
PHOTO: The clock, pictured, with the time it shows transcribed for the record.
2:13
